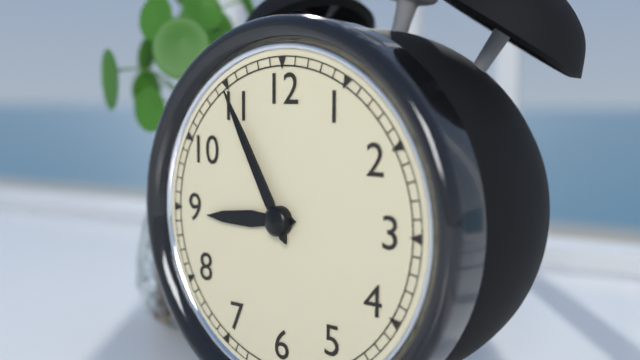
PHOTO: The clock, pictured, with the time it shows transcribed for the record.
8:55
